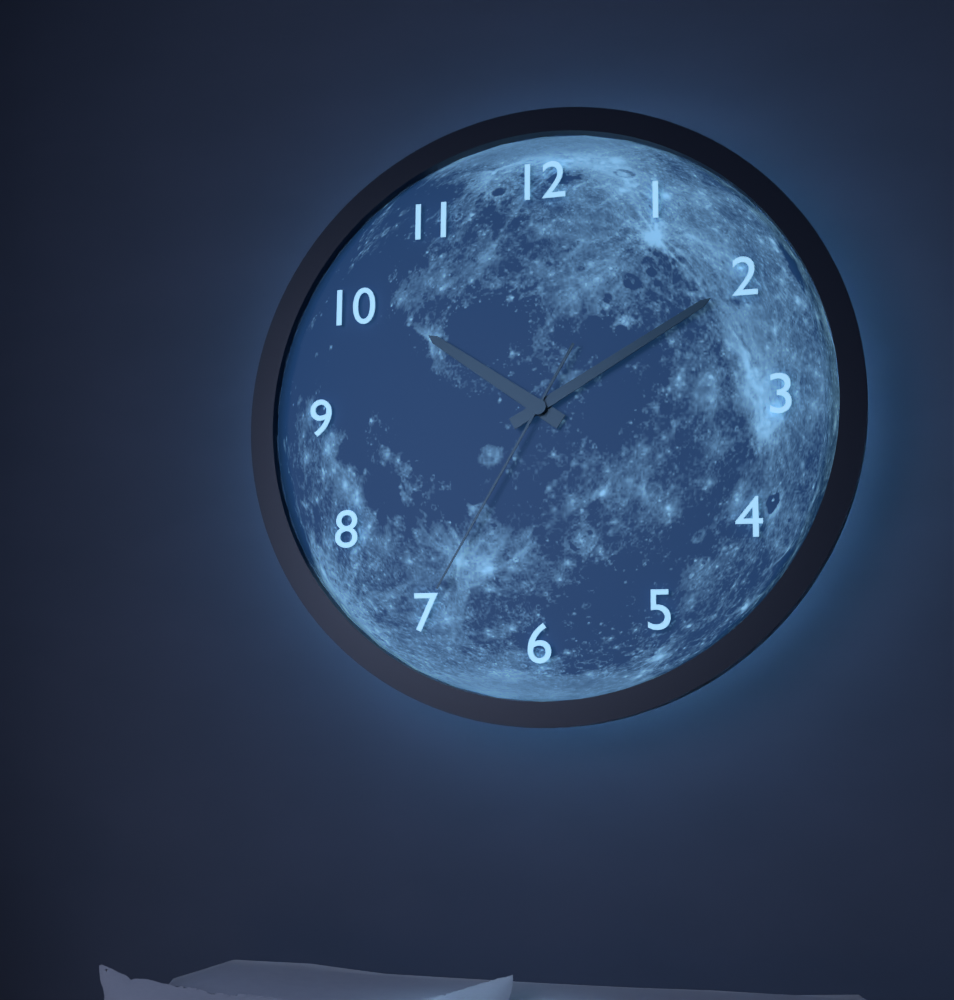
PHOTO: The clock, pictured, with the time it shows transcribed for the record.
10:10:35
